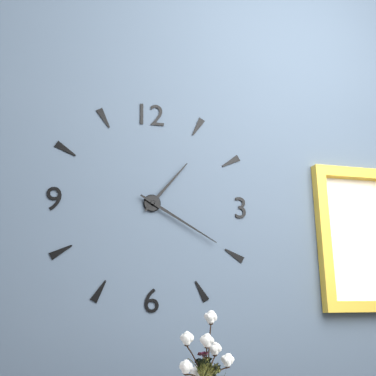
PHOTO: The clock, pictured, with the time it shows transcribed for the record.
1:20
